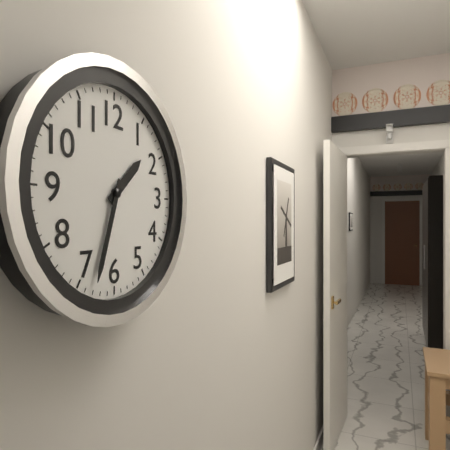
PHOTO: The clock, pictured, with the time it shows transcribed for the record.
1:33
